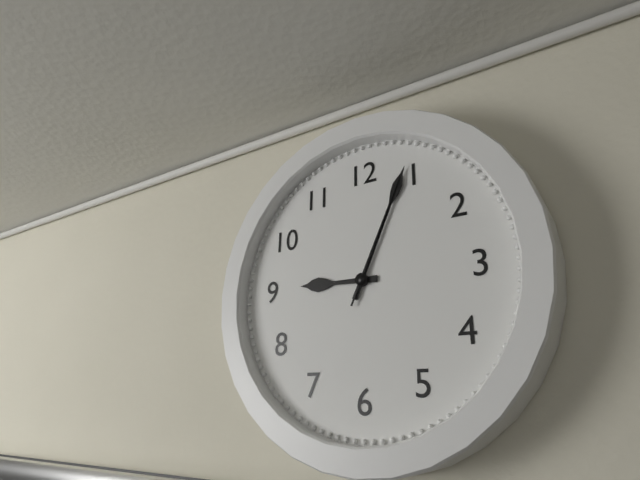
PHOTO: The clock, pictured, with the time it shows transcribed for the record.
9:04:04
